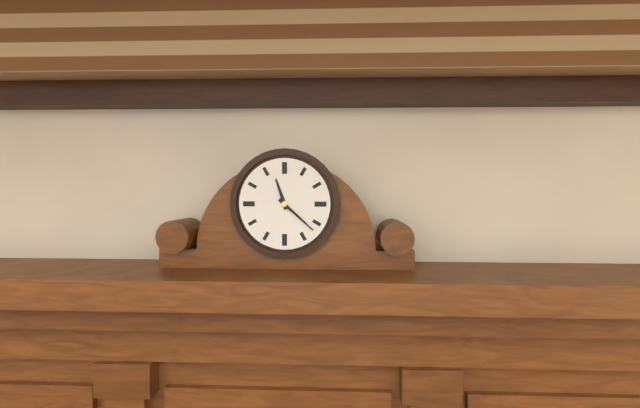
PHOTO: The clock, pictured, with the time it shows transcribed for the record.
11:22
